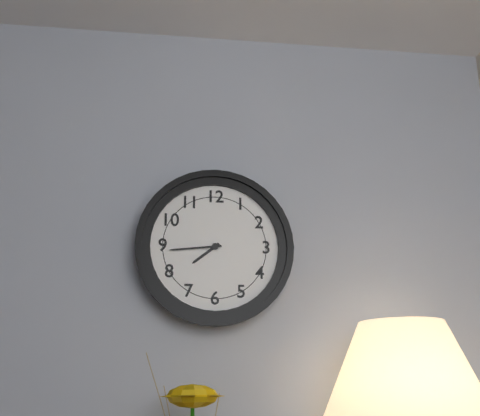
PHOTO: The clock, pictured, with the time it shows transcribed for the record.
7:44
